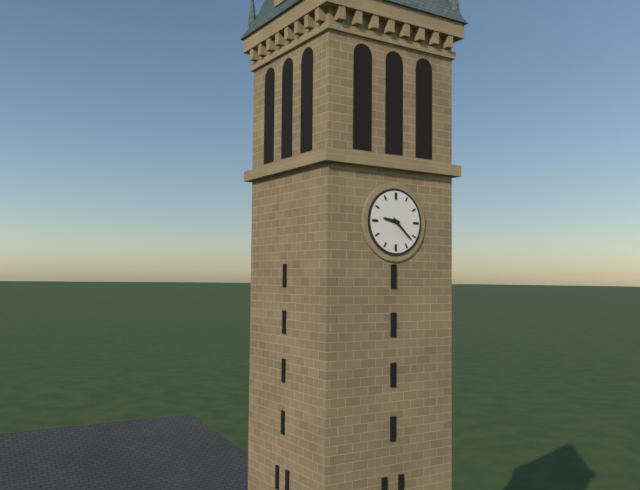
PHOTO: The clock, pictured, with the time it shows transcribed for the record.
9:22
